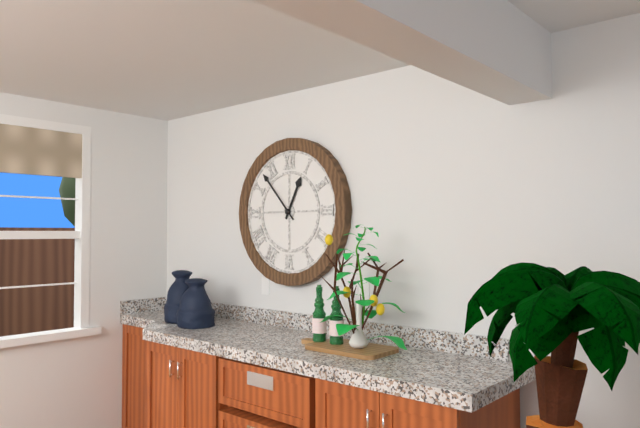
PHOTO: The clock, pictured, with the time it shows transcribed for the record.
12:53
